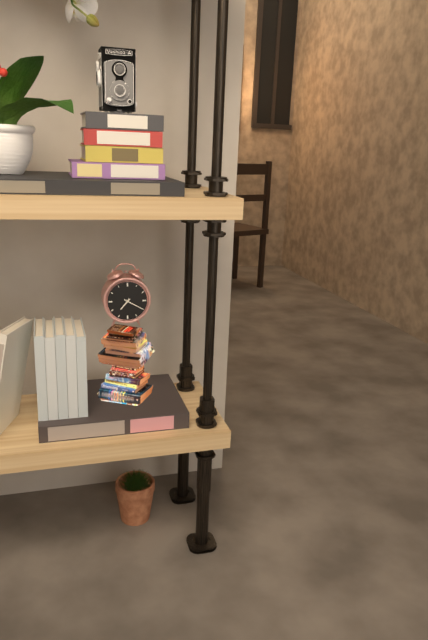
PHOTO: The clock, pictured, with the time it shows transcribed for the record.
7:20
